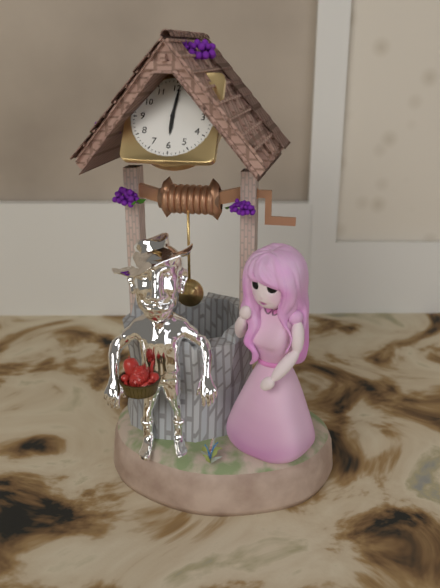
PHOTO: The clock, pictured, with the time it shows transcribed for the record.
6:01
